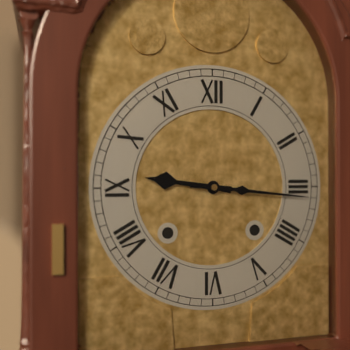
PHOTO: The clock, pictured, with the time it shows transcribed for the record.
9:16
